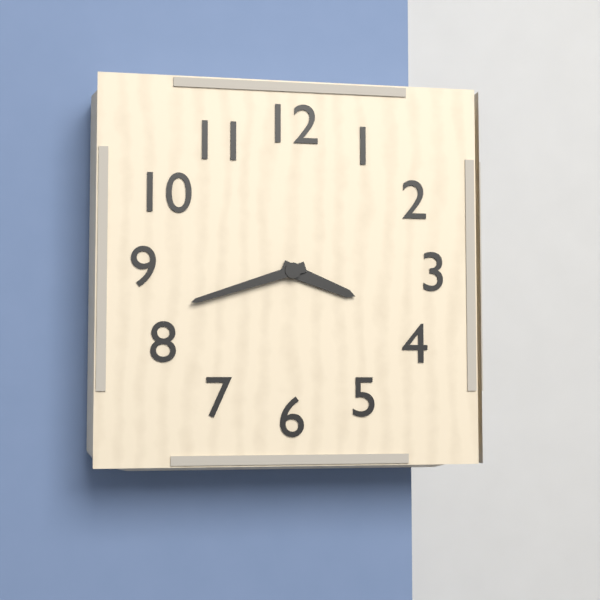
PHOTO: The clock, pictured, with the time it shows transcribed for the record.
3:42
